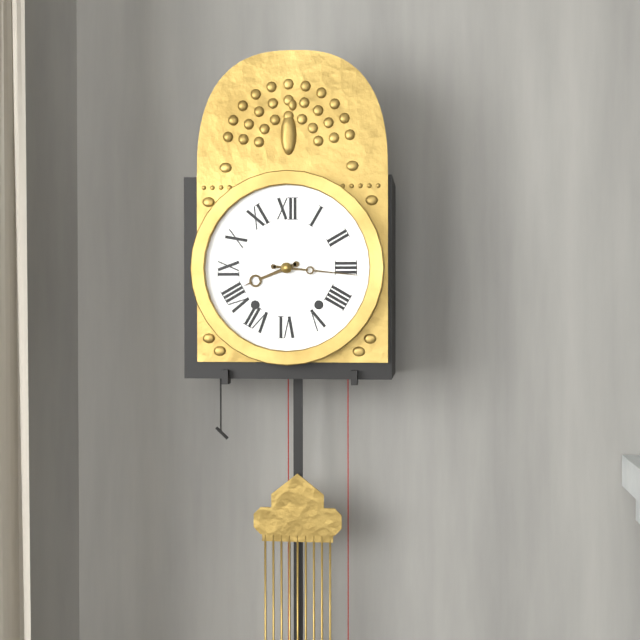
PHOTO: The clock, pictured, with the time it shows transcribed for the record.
8:16
